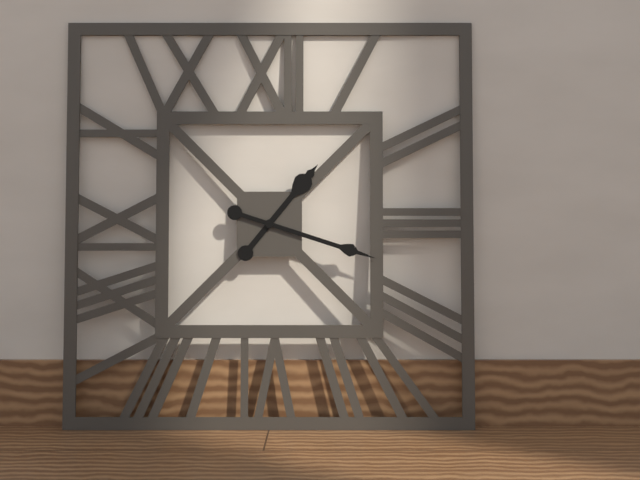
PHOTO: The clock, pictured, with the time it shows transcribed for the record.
1:18
